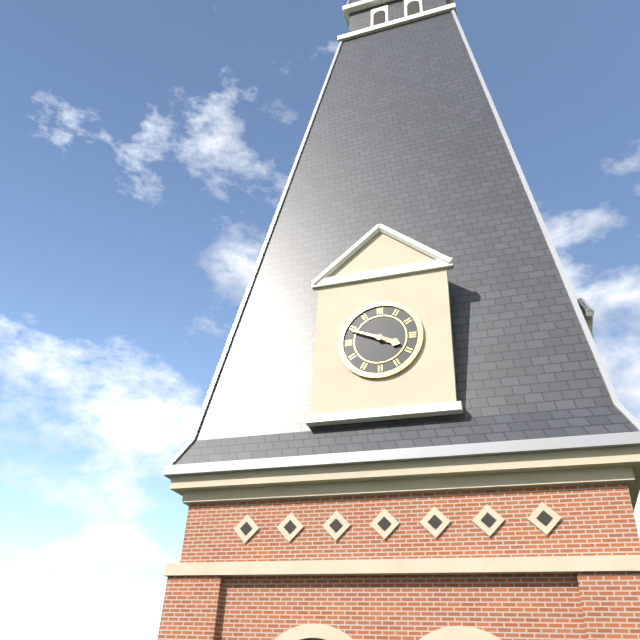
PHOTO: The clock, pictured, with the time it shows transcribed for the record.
3:49
